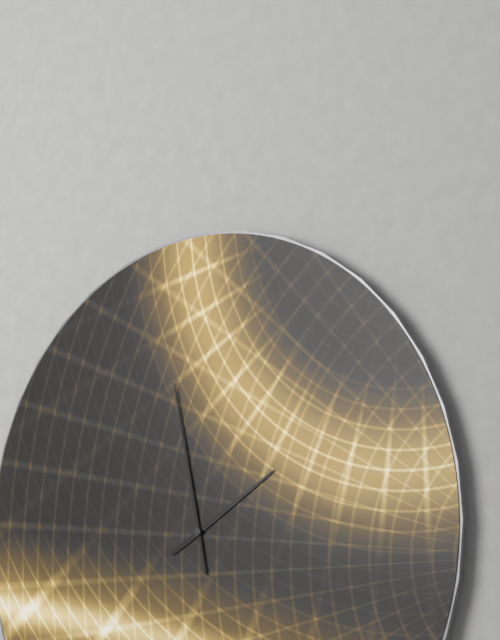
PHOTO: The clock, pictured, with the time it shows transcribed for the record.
1:58
